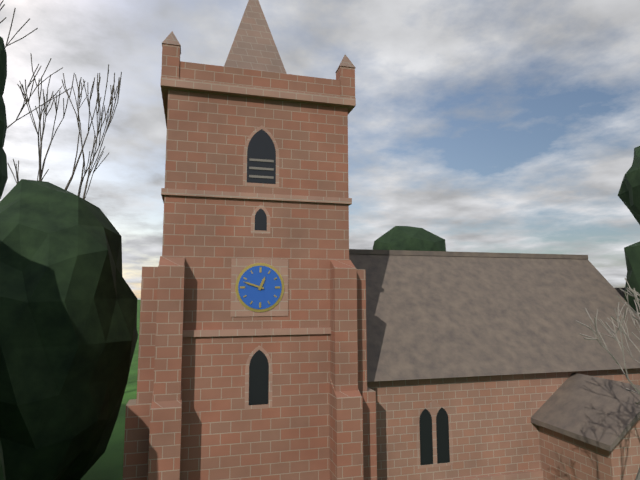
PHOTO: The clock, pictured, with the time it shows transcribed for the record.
12:48
